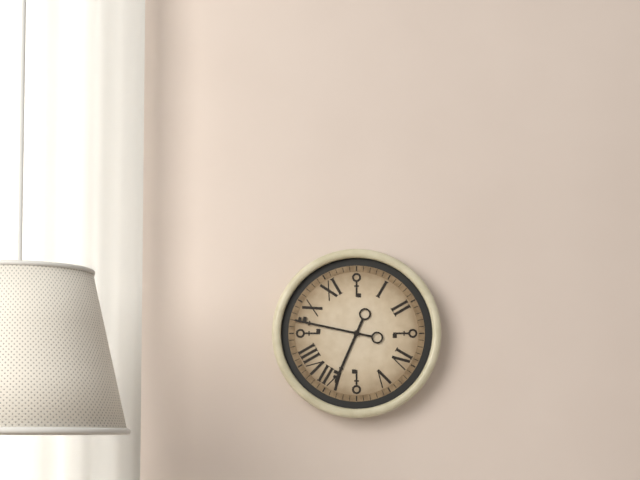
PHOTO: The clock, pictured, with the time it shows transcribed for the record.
6:47
